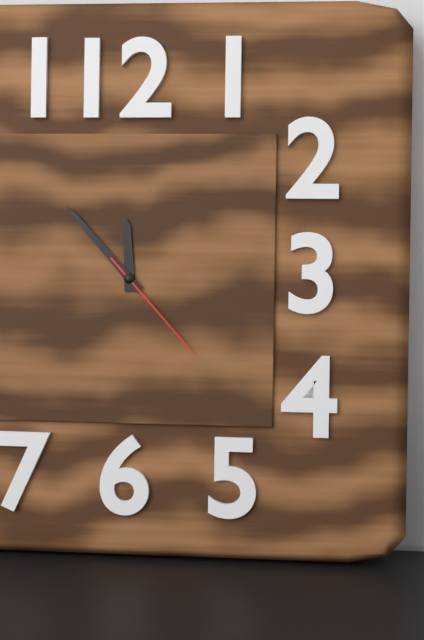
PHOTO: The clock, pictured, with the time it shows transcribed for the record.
11:53:23
